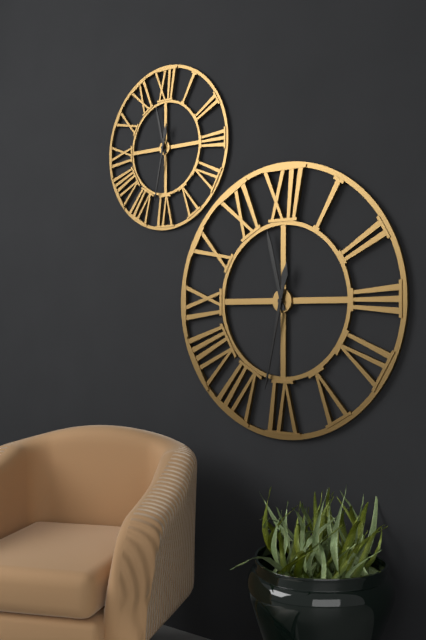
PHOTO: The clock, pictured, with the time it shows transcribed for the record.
11:32
